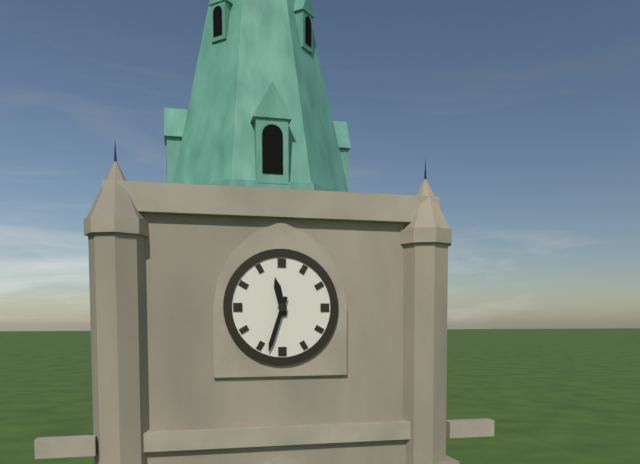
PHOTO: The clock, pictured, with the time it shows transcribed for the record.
11:33
